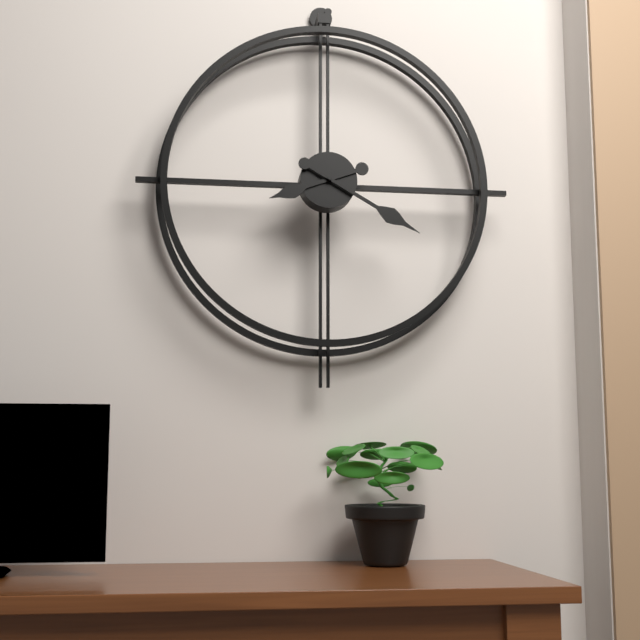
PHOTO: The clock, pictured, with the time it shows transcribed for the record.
8:20
